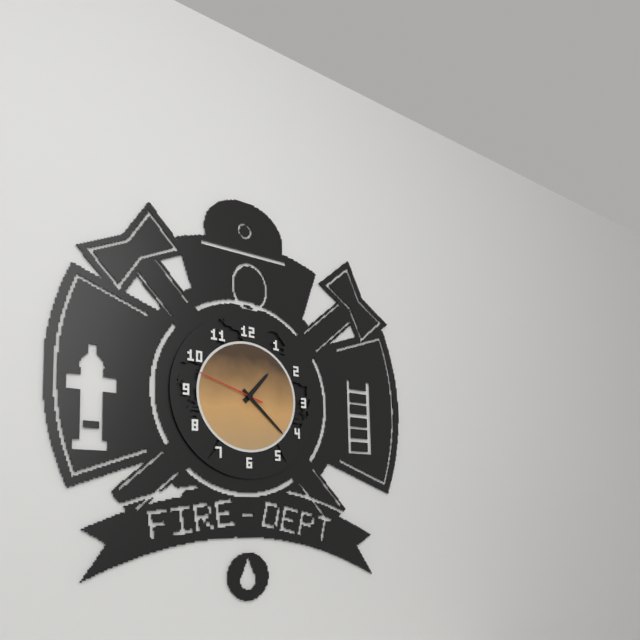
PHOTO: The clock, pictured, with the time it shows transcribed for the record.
1:22:48
